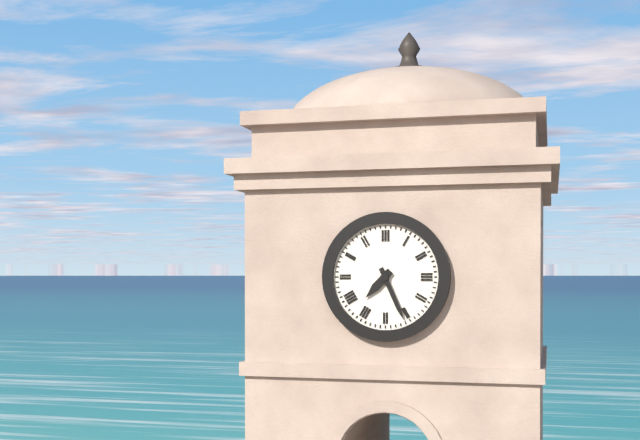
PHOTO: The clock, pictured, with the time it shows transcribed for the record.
7:26
